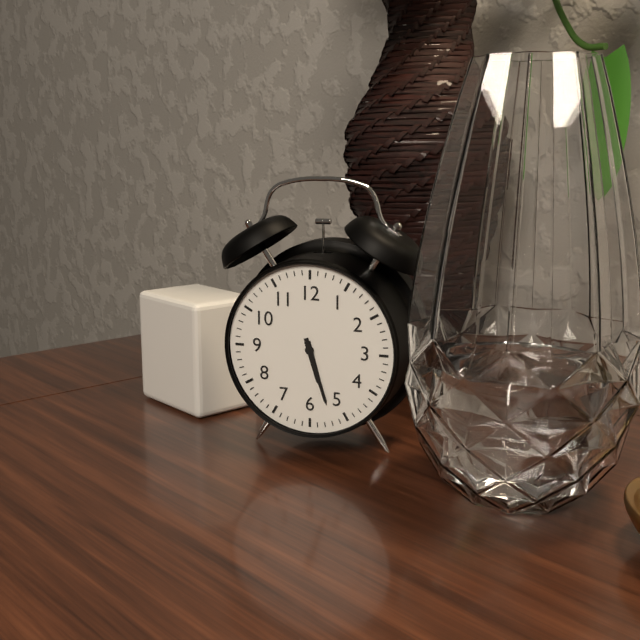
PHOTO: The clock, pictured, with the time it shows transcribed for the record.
5:27
